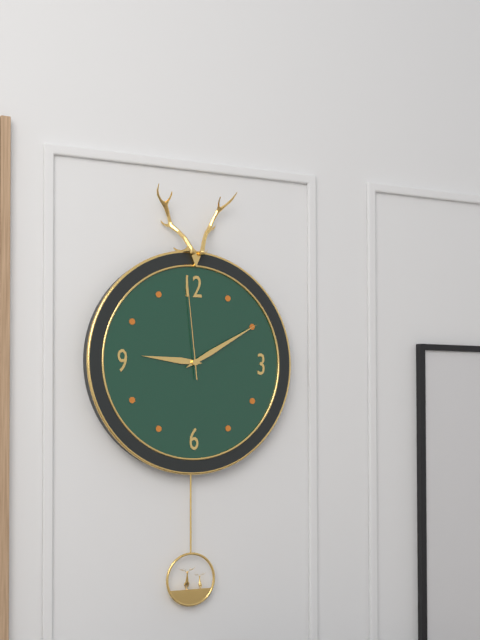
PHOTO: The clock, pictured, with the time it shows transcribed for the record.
9:10:59
